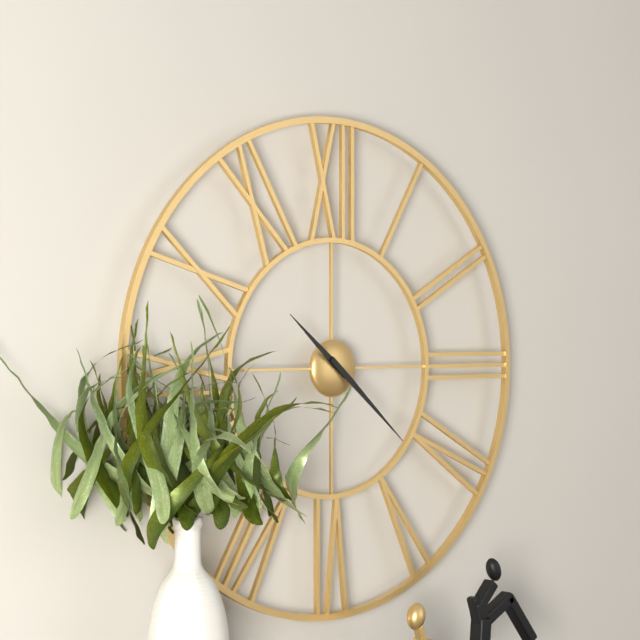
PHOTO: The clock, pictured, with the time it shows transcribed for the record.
10:22
